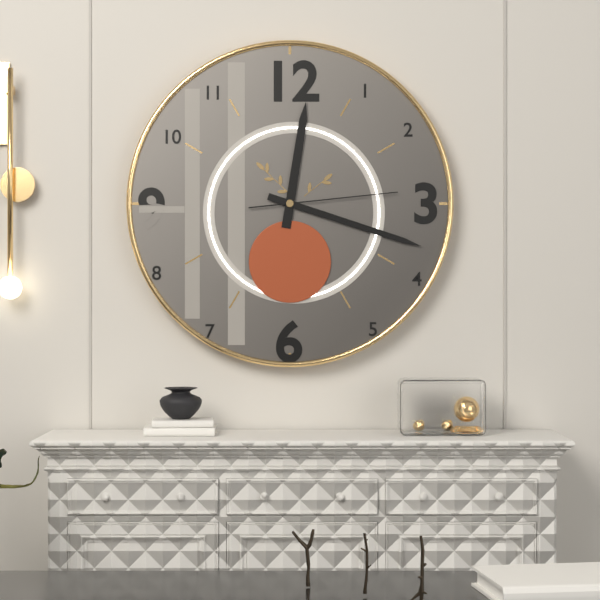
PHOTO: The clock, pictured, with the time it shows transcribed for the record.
12:18:14
